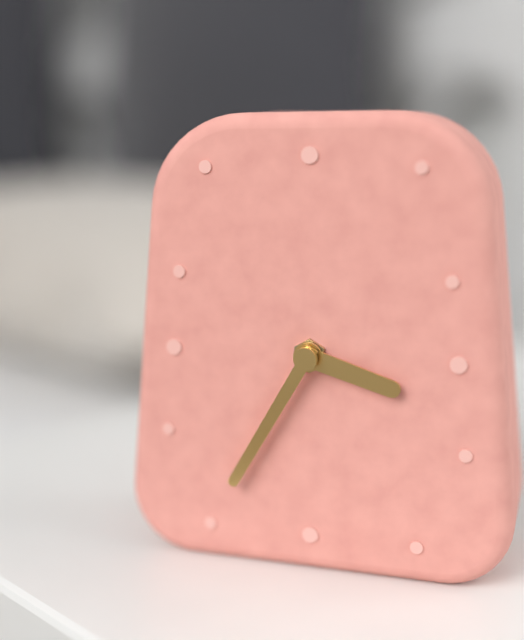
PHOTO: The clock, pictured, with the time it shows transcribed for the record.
3:35
